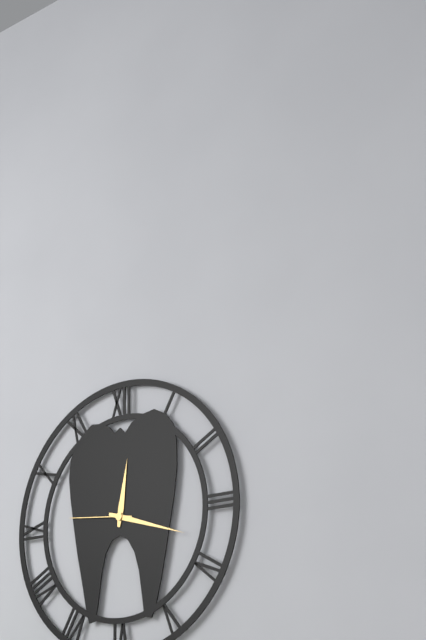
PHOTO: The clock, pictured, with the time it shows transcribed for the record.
12:18:46
